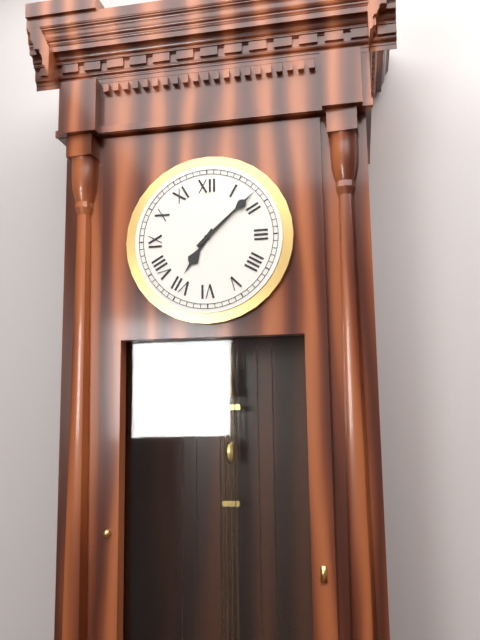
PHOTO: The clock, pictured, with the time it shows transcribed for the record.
7:08
